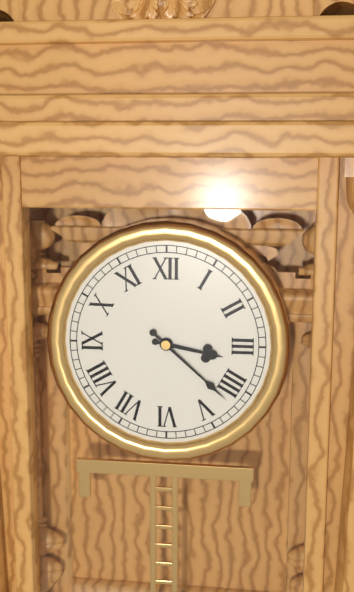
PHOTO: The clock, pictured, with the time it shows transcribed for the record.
3:22
